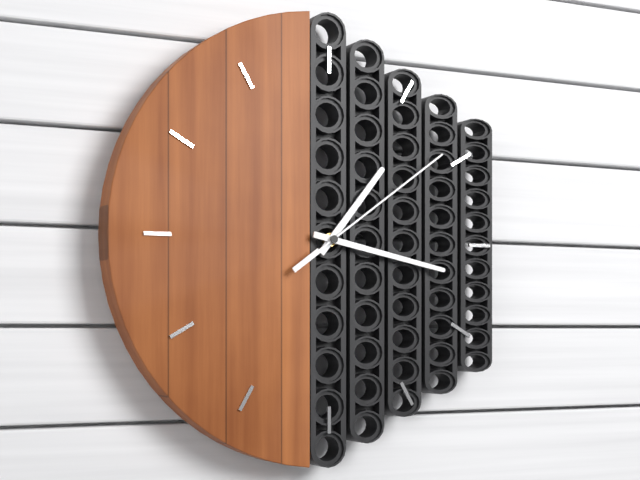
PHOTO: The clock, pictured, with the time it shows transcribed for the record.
1:17:09
